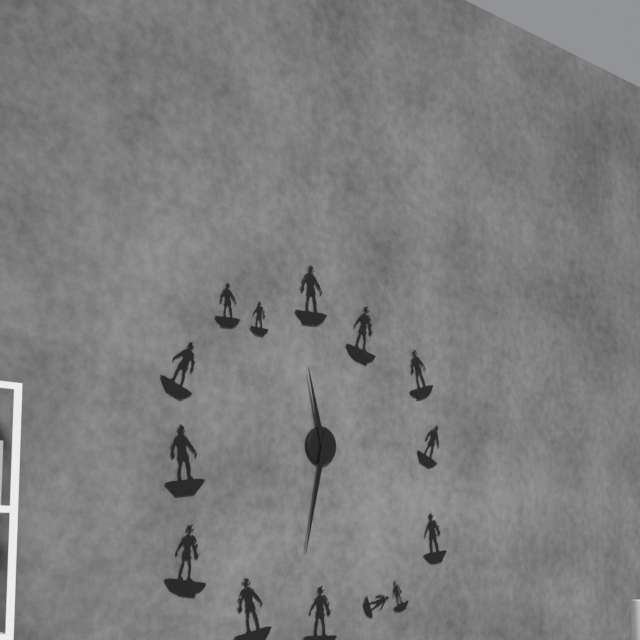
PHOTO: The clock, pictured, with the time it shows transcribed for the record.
11:32
